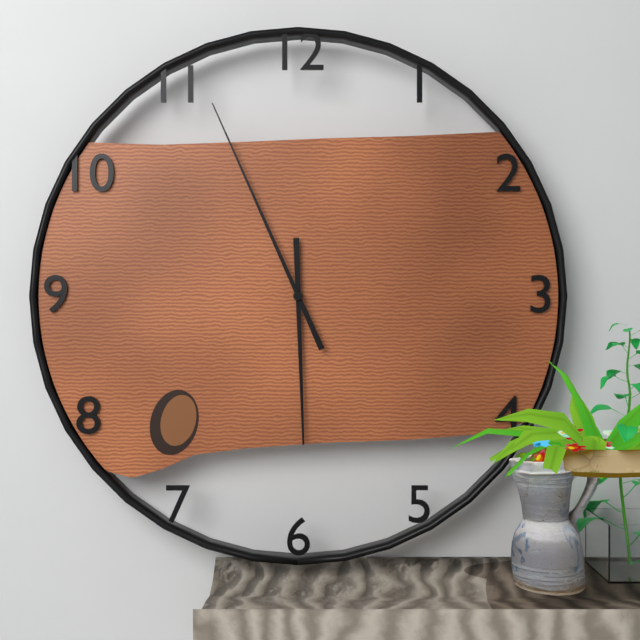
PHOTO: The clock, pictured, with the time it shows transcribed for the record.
5:56
